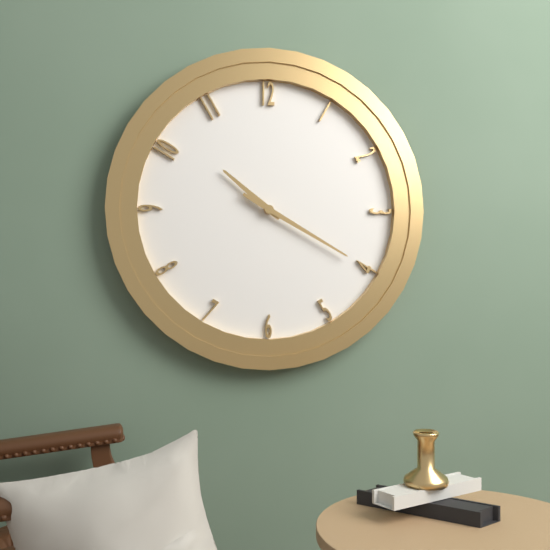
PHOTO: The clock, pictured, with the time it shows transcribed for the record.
10:20
